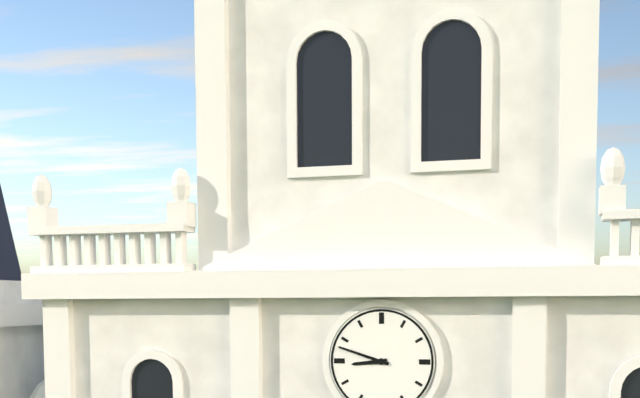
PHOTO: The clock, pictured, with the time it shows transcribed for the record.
8:48
